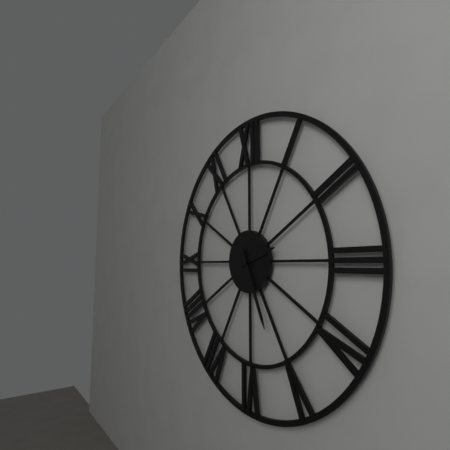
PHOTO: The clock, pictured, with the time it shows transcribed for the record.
2:26
